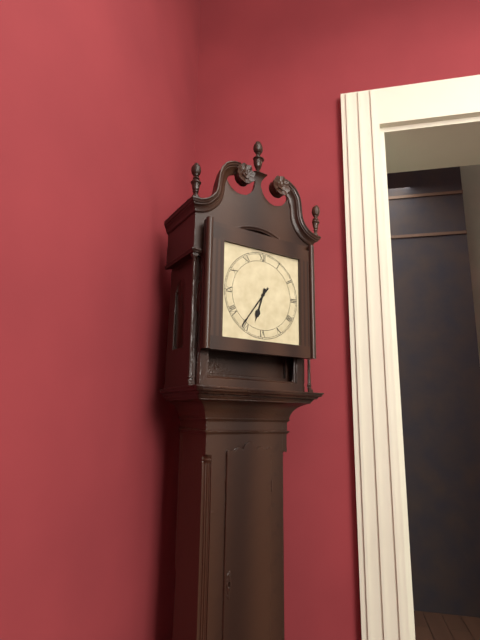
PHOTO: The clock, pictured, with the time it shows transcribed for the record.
6:36
